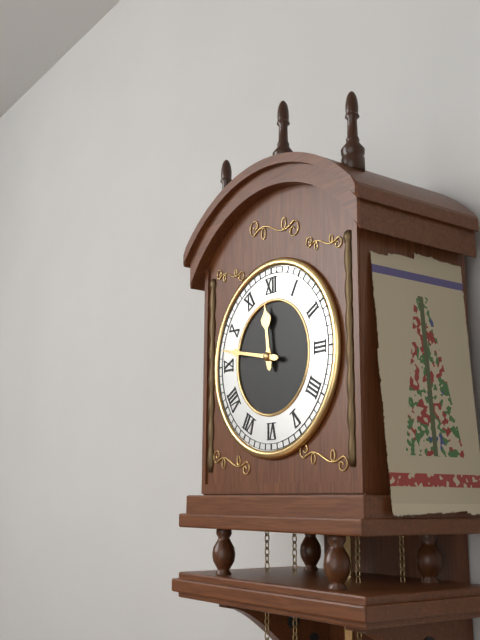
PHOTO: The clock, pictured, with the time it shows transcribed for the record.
11:47
